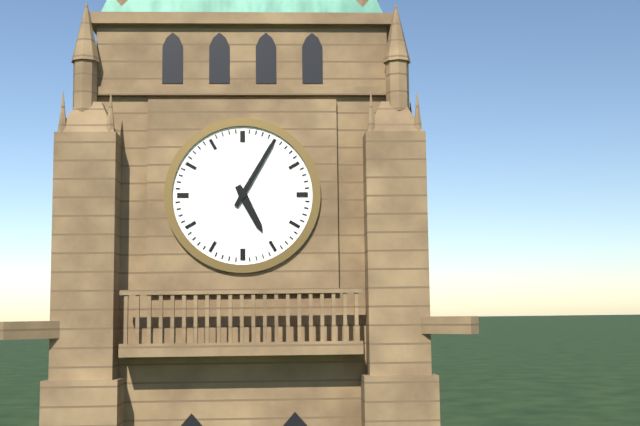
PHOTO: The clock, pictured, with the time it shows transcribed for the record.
5:05
